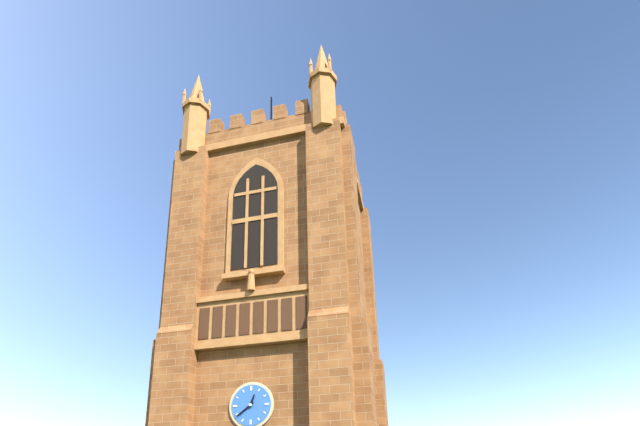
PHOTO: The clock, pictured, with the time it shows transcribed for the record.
12:39
